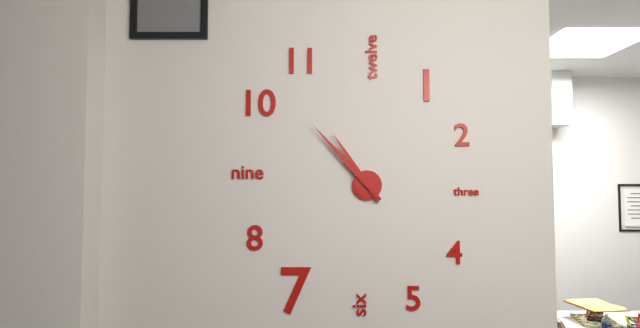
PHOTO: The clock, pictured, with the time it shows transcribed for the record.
10:53
